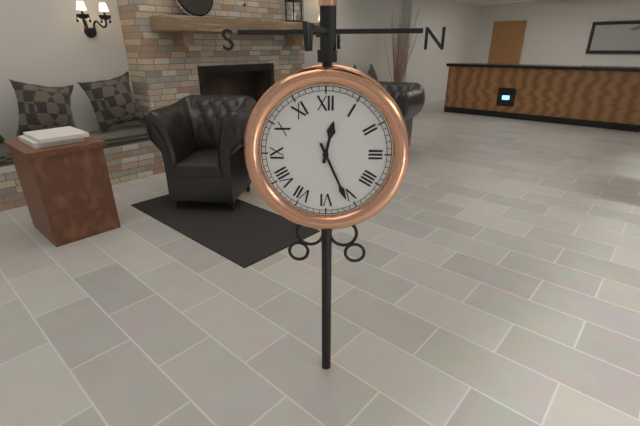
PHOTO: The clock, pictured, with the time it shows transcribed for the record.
12:26
